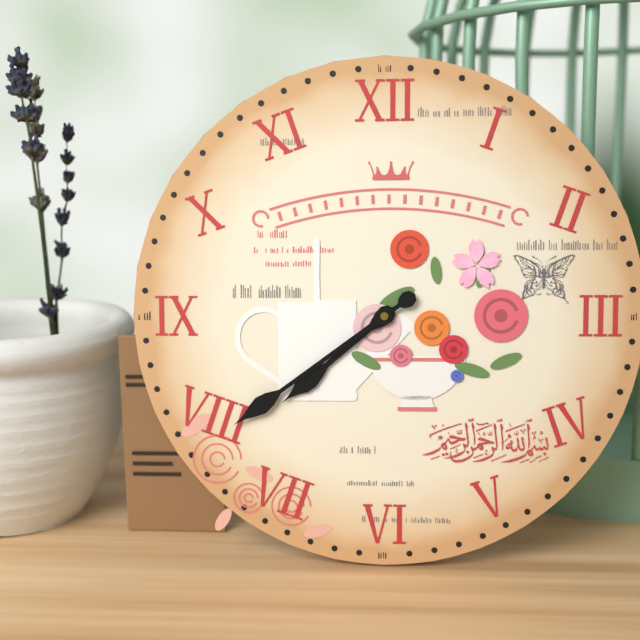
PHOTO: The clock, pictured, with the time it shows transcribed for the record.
7:39
